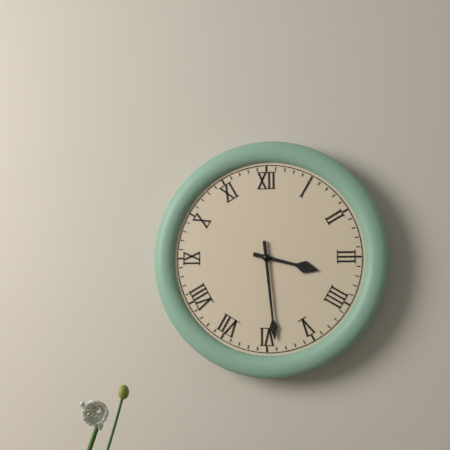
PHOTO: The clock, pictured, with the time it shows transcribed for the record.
3:29
